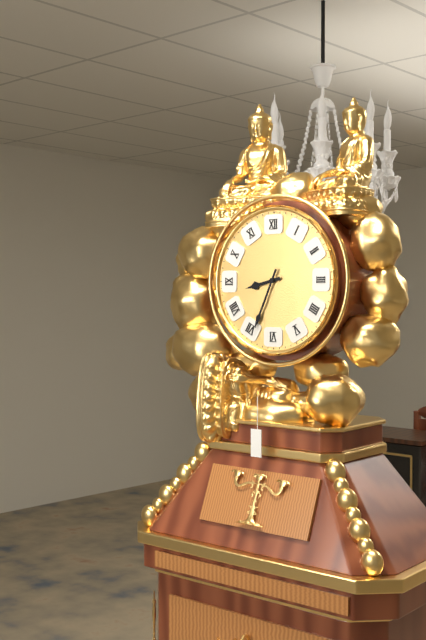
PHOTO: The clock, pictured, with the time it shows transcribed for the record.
8:34
